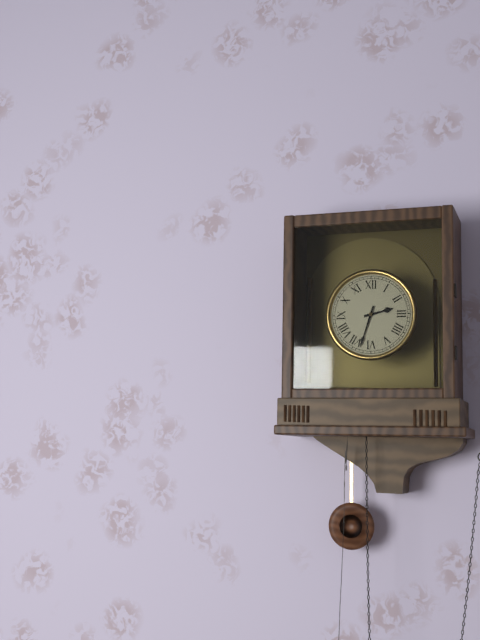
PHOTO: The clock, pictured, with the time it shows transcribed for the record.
2:33
